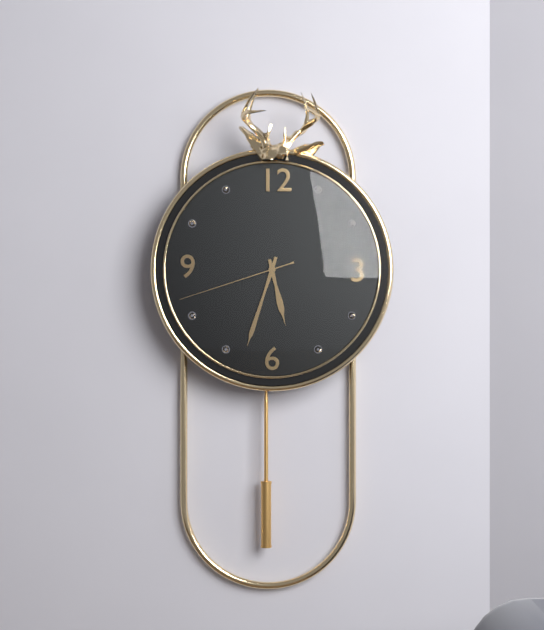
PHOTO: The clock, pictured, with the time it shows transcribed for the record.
5:33:42
